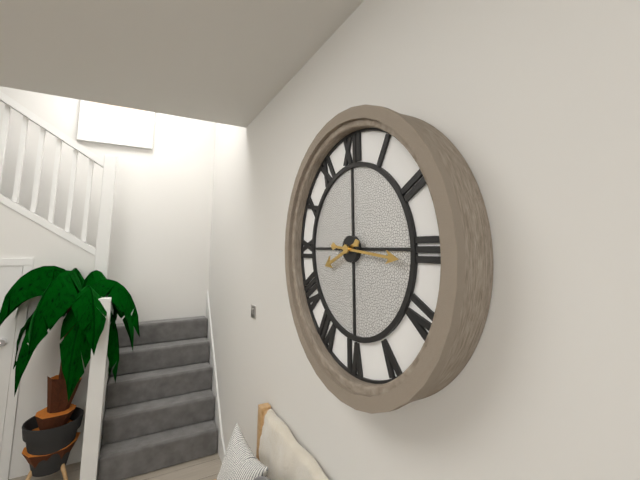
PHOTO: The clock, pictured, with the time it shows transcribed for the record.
8:16
